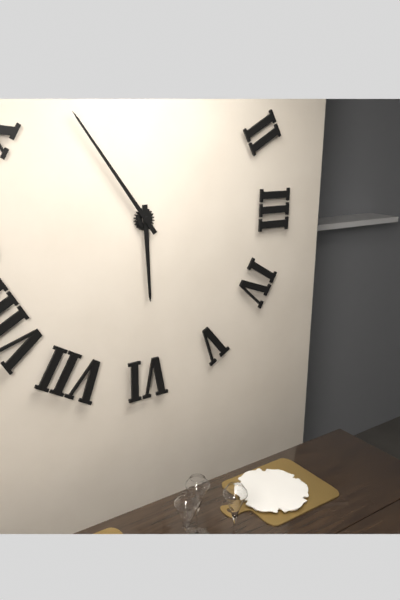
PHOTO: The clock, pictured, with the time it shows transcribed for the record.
5:54
